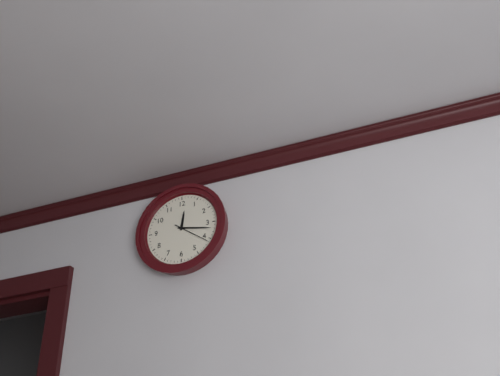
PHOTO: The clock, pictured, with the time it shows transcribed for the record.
12:17
